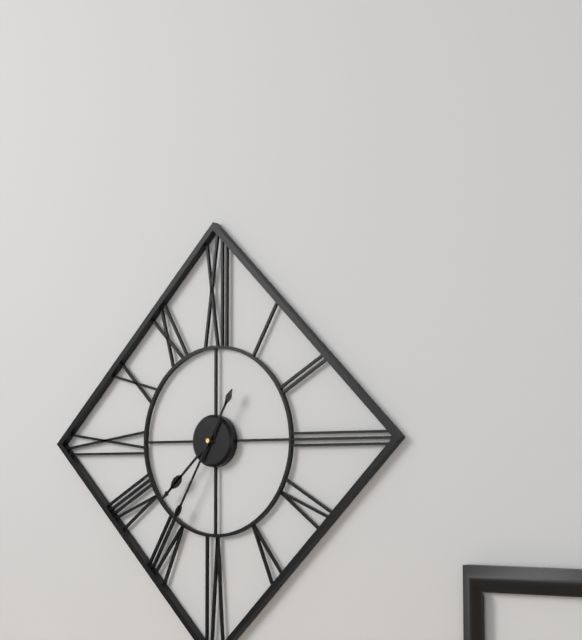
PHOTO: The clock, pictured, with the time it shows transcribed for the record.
7:35
